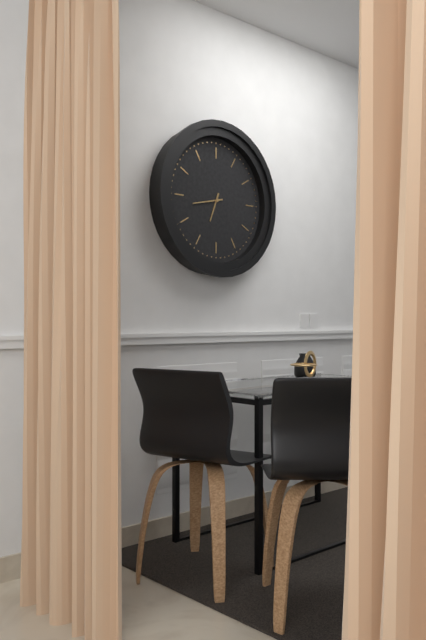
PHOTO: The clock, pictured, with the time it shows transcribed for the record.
6:43
